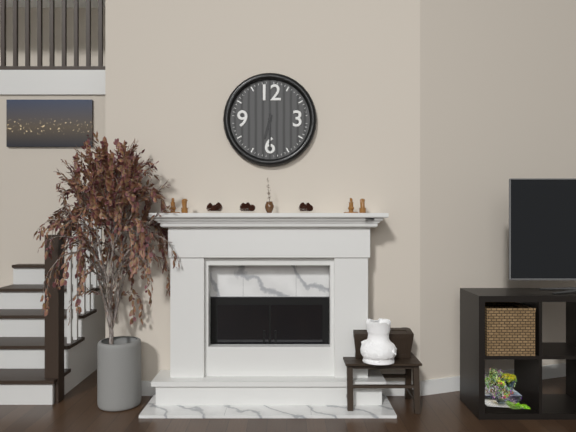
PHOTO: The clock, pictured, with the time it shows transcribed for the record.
6:30
